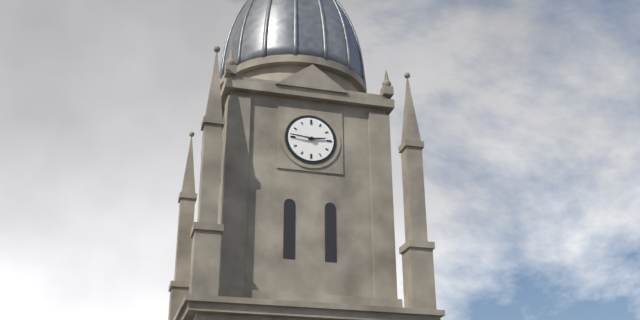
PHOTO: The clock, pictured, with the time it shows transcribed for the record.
2:46
